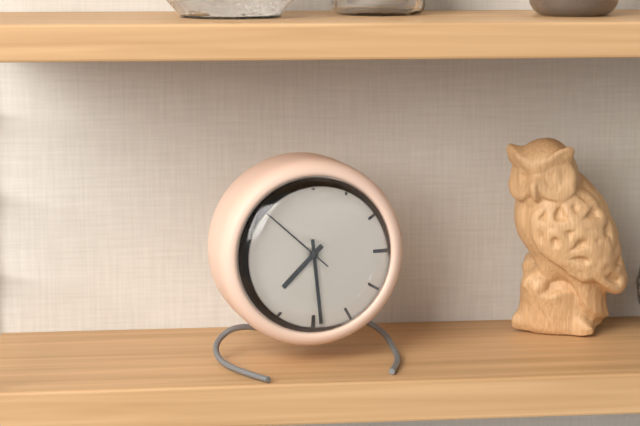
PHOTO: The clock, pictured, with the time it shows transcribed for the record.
7:29:52
